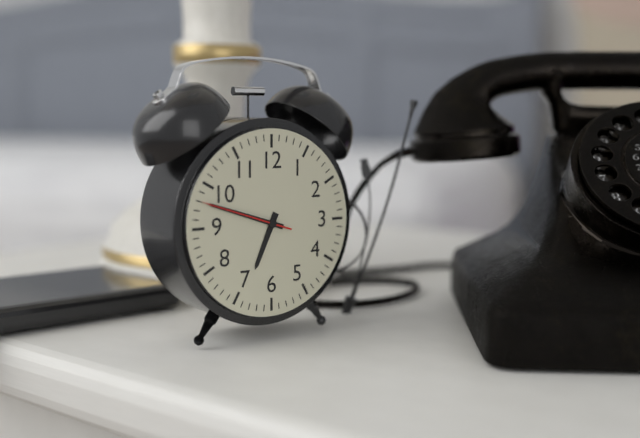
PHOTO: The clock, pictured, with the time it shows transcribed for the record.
6:48:48
